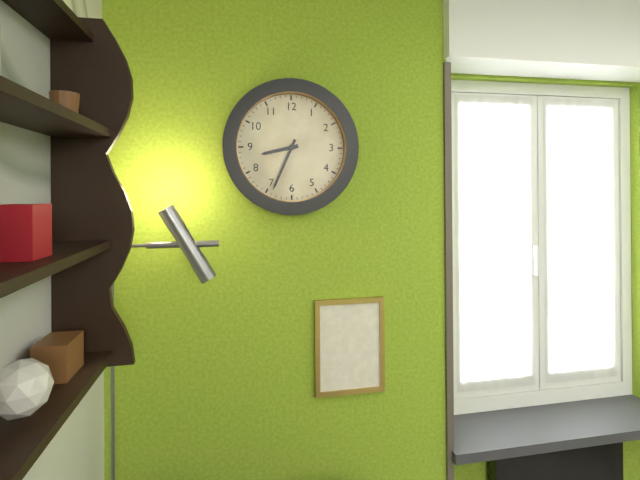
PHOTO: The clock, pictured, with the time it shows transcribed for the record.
8:34
